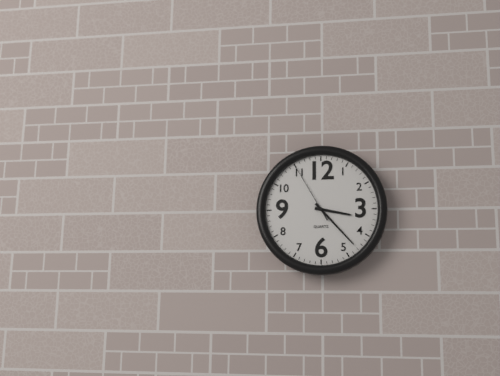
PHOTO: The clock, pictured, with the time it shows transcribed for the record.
3:23:55
